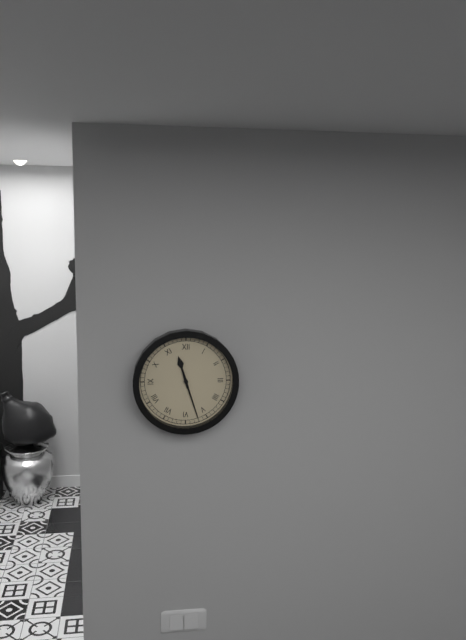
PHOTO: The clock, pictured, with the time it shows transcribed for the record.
11:27
